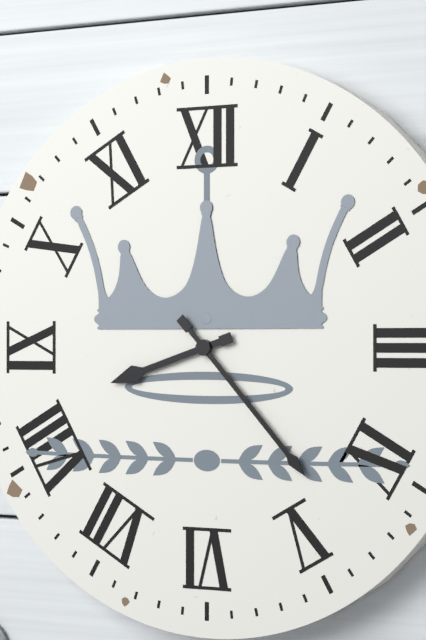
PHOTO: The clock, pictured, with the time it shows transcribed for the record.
8:23
